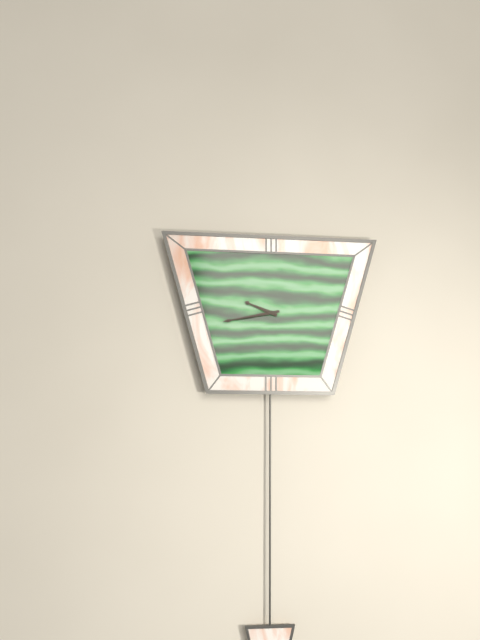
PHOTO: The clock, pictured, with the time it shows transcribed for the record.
9:43
